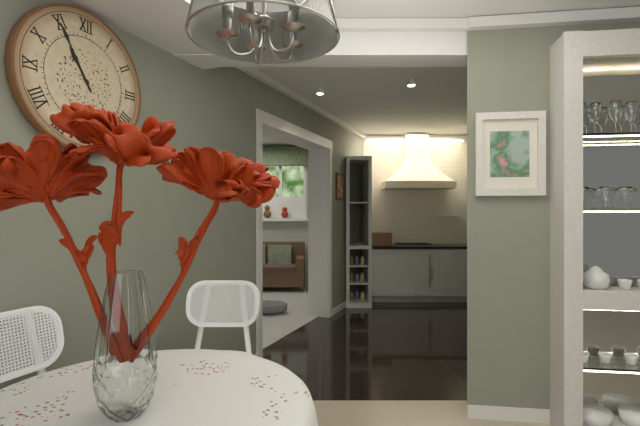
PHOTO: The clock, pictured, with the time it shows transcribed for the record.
10:55
